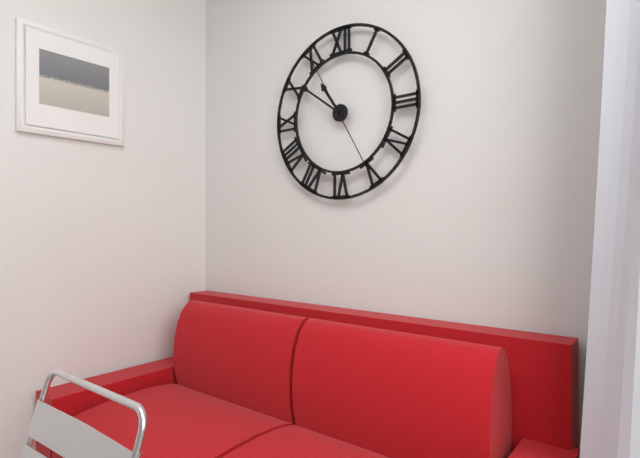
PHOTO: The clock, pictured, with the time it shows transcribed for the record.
10:51:25
